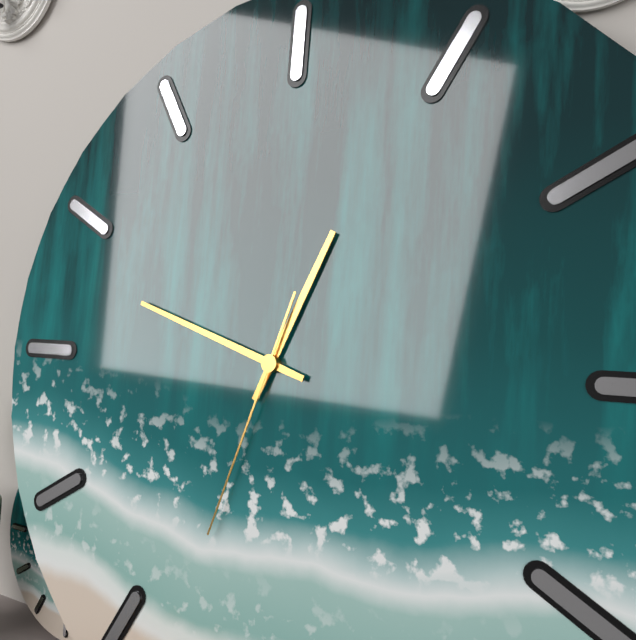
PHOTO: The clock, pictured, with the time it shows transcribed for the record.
12:48:33
